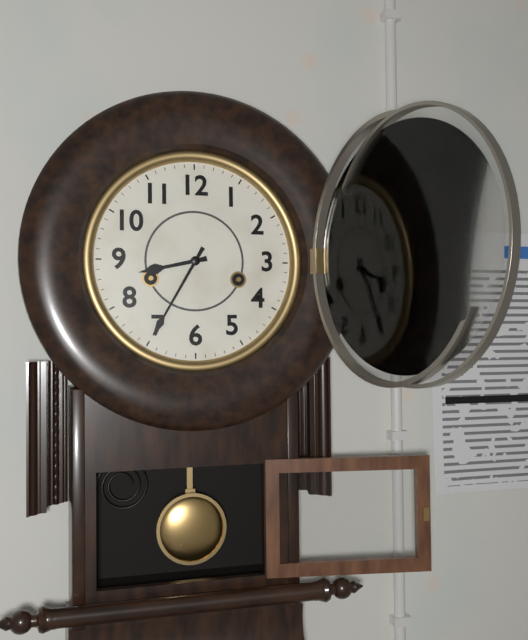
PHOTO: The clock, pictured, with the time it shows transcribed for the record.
8:35
